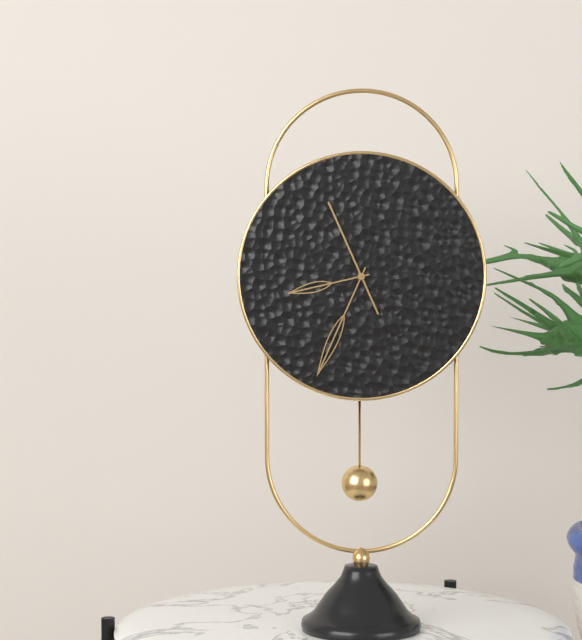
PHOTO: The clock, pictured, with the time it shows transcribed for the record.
8:34:56
